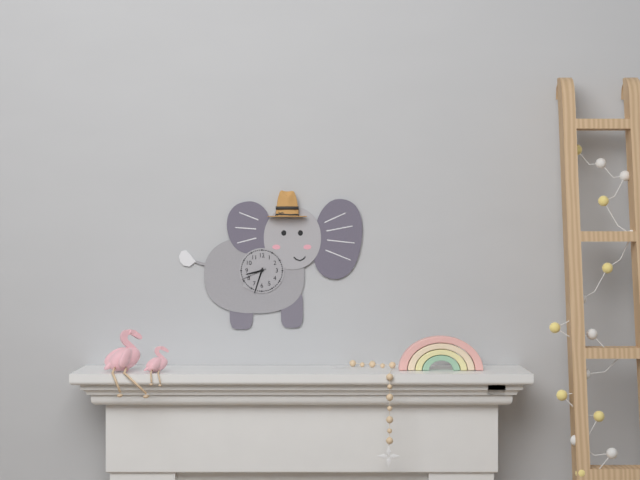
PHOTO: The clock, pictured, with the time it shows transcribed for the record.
8:33
